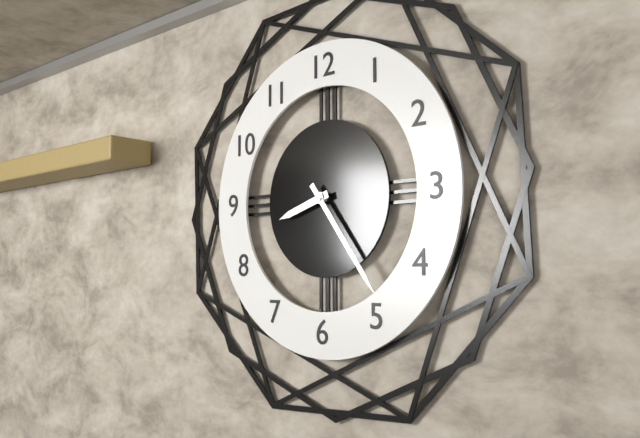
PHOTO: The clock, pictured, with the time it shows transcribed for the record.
8:24
